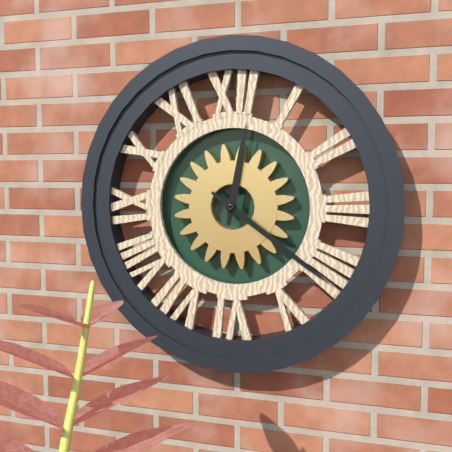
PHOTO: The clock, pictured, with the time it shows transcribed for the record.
12:21
